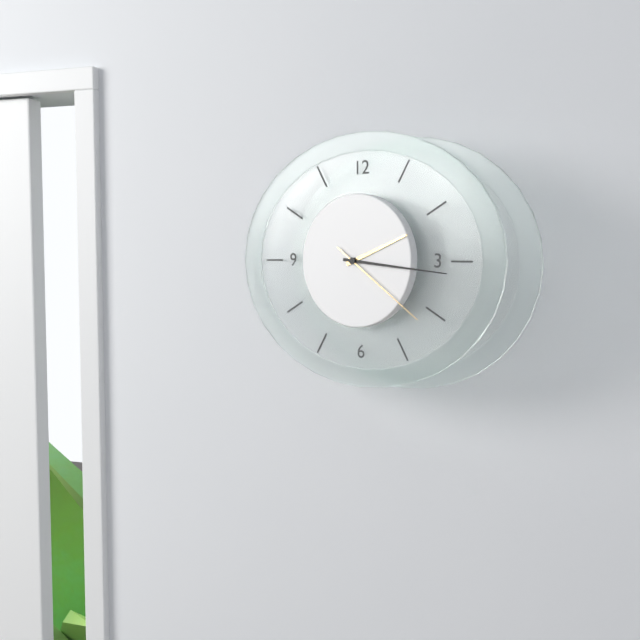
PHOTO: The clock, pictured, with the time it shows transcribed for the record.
2:16:21
